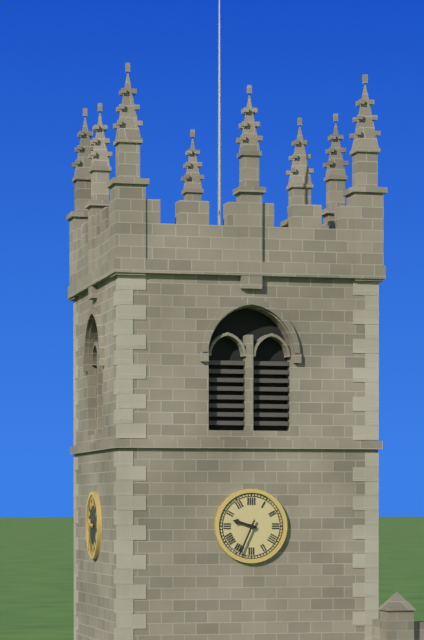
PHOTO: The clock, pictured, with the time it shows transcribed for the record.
9:34
